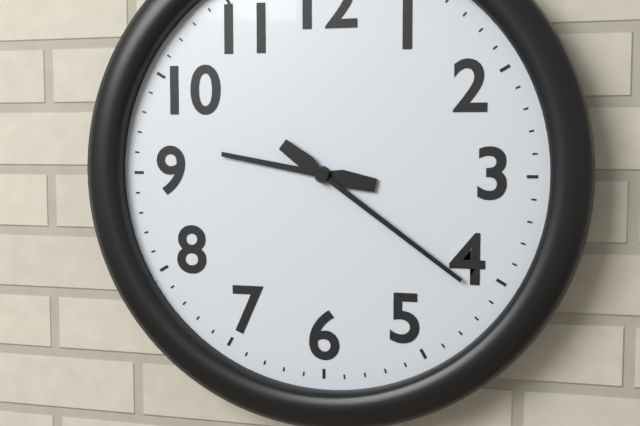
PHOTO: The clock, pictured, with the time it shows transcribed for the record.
9:21
